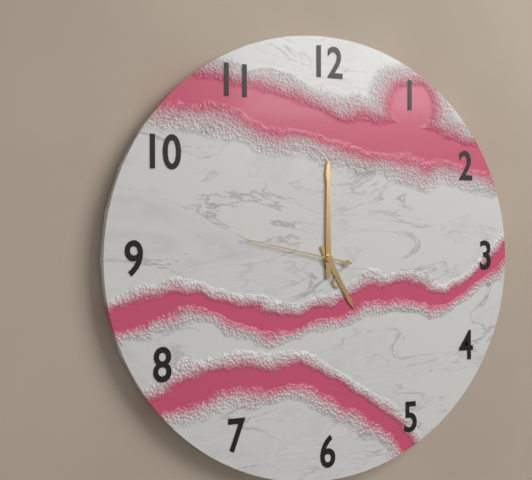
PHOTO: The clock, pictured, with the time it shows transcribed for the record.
5:00:47
